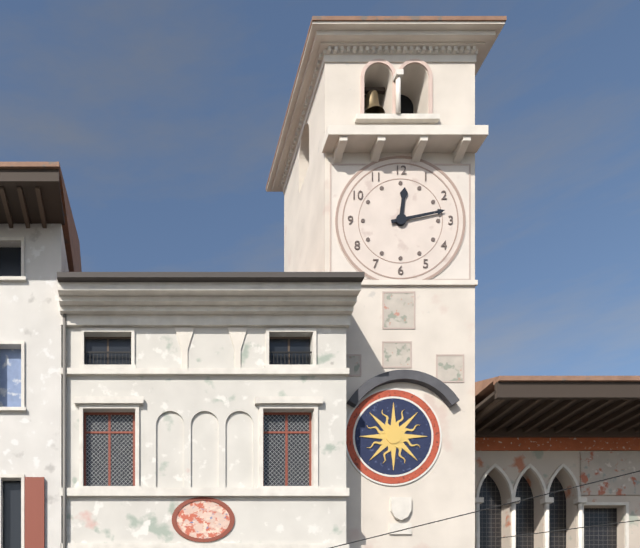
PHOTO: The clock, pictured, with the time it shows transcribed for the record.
12:13
